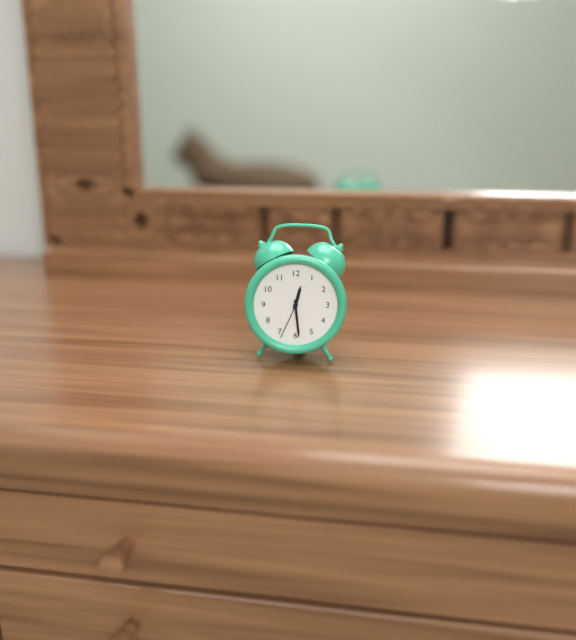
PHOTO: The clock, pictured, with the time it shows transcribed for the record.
12:29
